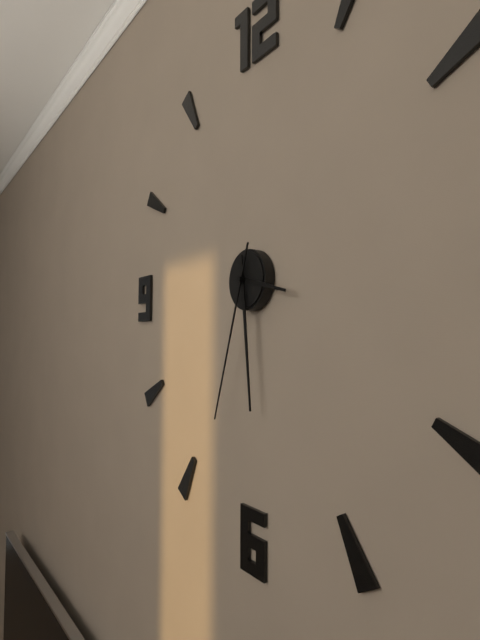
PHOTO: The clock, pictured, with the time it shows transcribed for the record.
3:29:33
